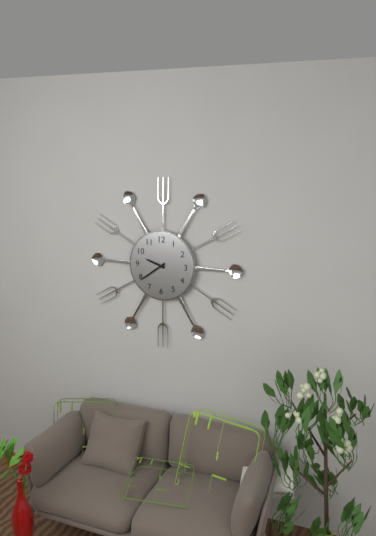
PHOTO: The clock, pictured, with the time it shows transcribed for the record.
9:39
